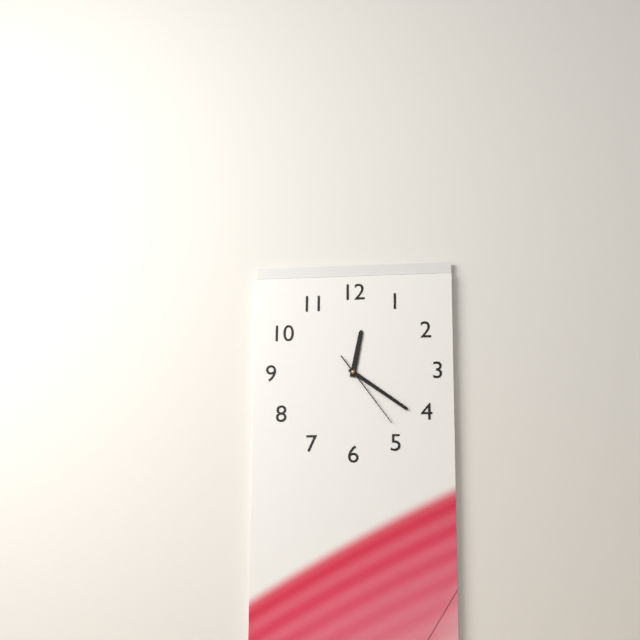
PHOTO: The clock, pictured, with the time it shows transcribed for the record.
12:21:24
